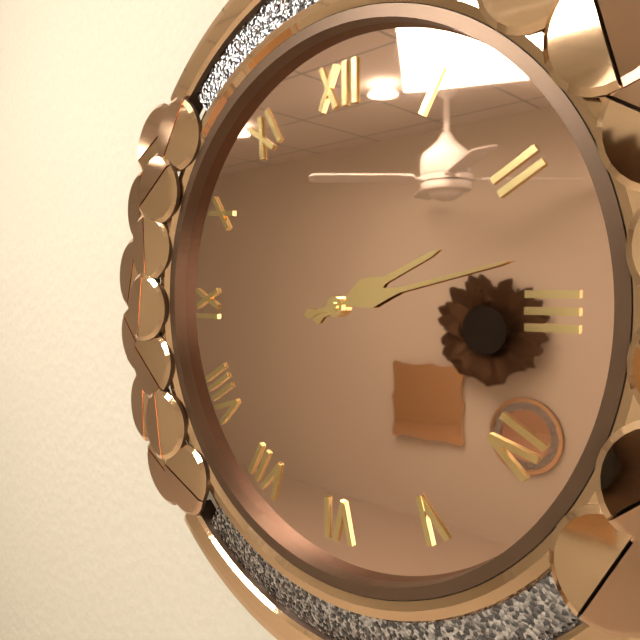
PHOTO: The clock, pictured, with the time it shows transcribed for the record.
2:13
